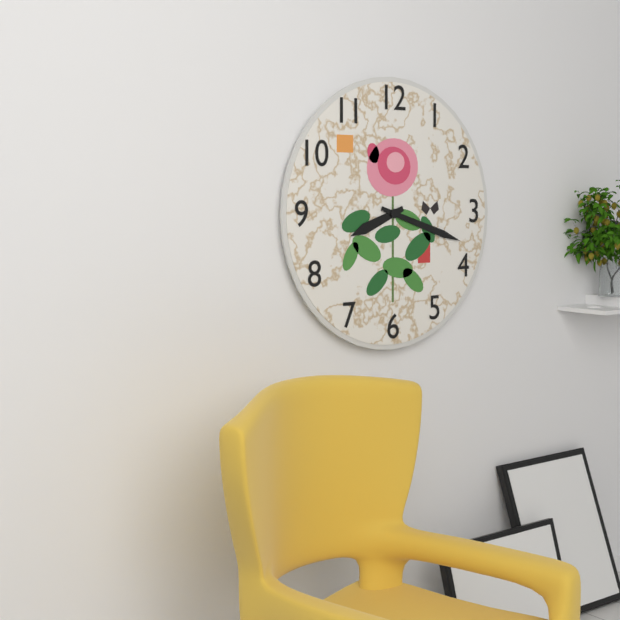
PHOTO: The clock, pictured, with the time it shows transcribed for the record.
8:18
